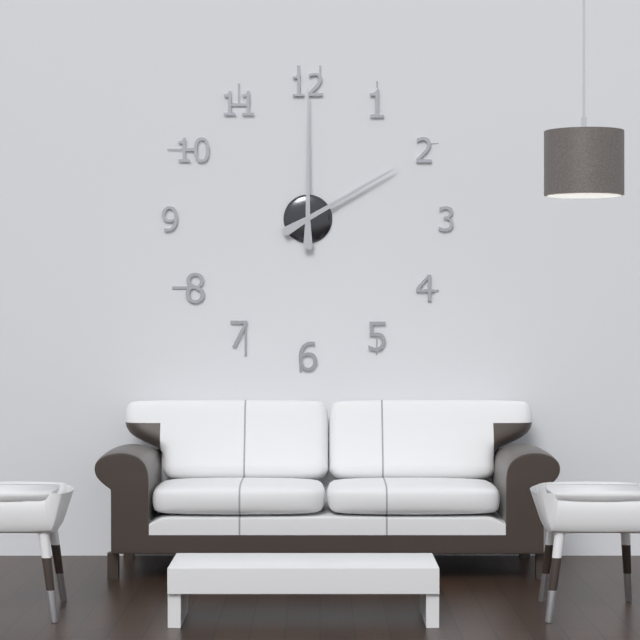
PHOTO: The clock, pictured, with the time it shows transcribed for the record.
2:00
